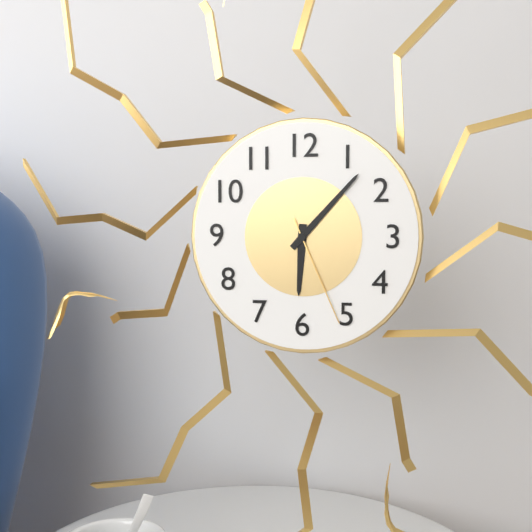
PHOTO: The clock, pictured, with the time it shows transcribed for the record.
6:07:26
